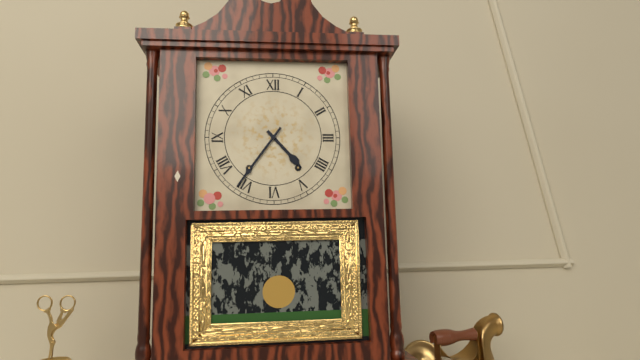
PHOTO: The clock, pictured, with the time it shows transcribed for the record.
4:36
